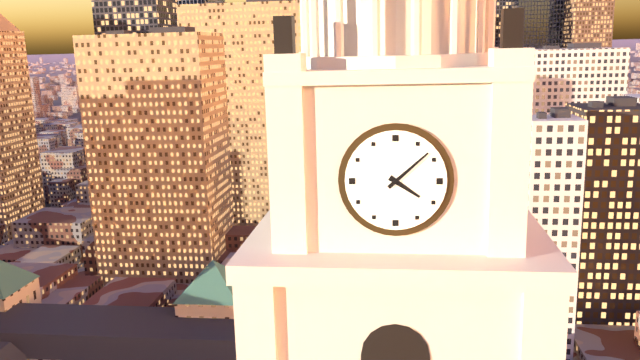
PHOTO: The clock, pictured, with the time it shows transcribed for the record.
4:08
